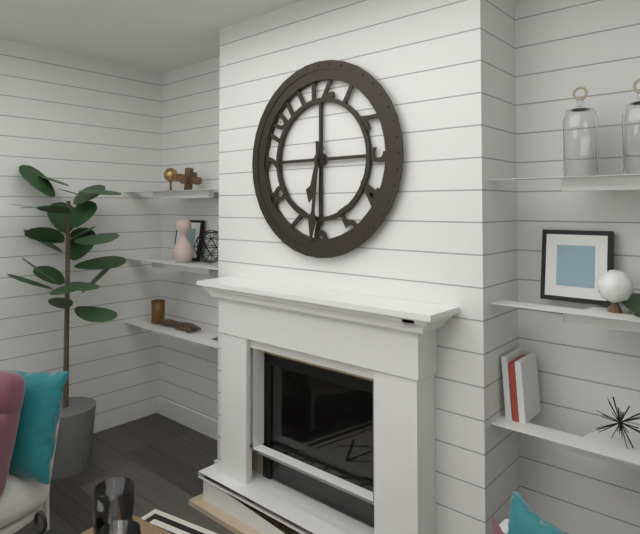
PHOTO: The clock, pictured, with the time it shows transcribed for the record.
6:31
